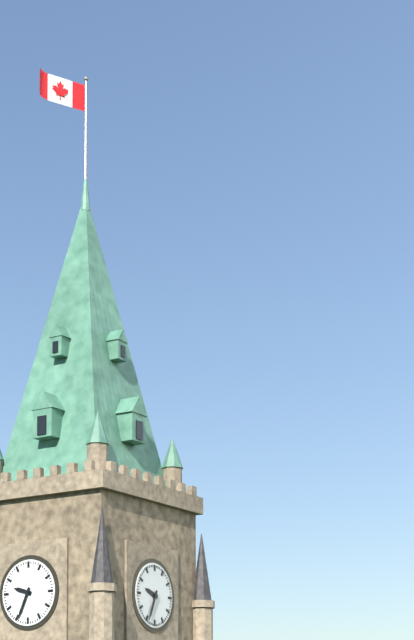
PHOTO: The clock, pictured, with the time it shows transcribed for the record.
9:34
